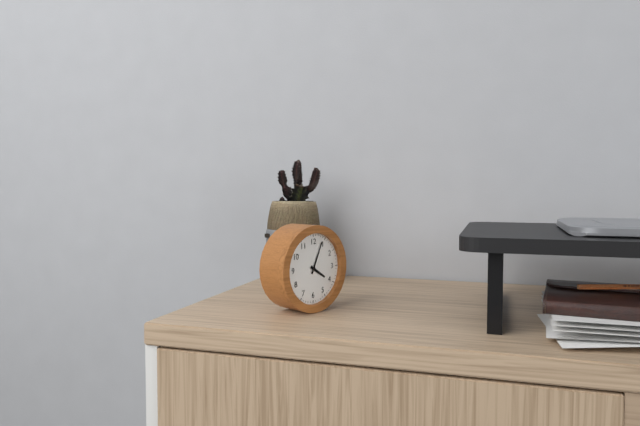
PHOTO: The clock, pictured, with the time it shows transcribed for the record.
4:04
